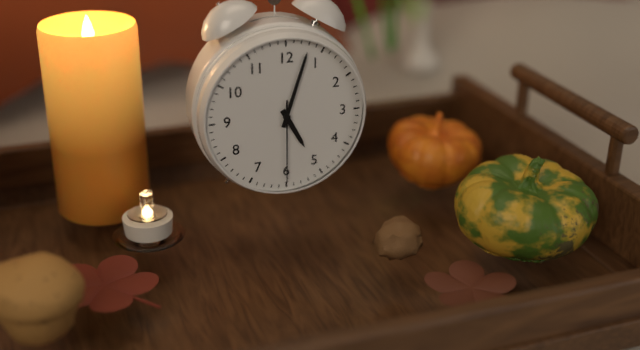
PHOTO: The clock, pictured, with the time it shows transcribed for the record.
5:03:30
